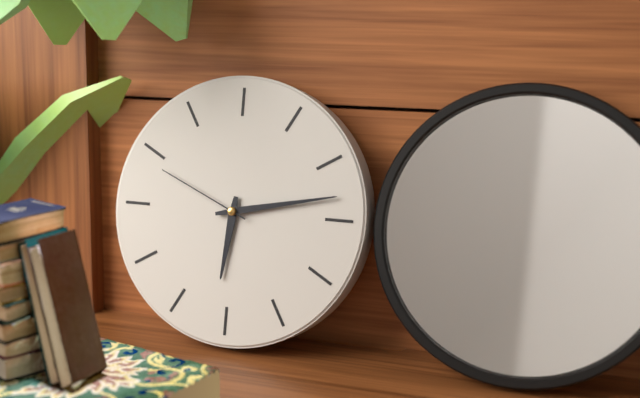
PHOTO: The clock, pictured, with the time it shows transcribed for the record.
6:13:49
